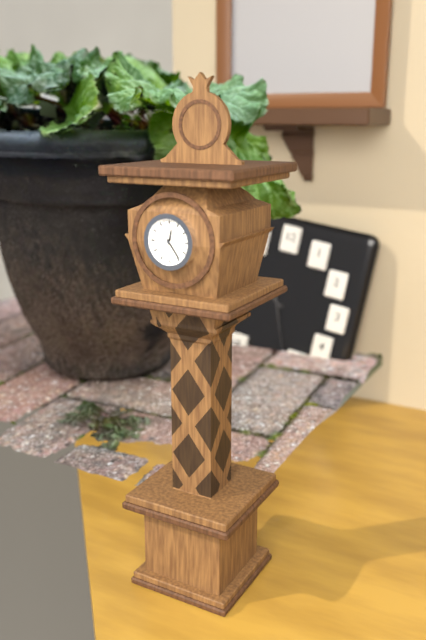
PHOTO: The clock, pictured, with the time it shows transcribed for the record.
12:24
